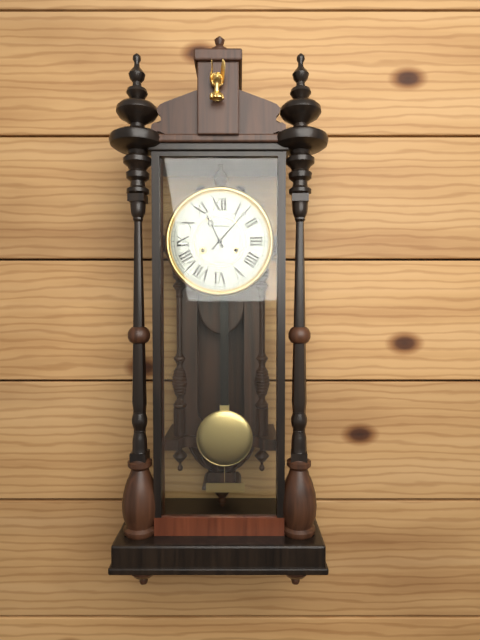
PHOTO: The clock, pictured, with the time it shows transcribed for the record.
11:07
